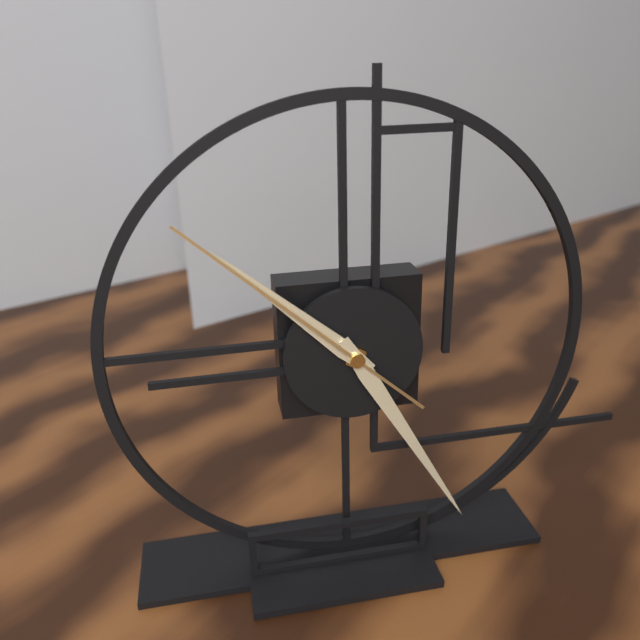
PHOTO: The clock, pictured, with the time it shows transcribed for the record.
10:25:52
